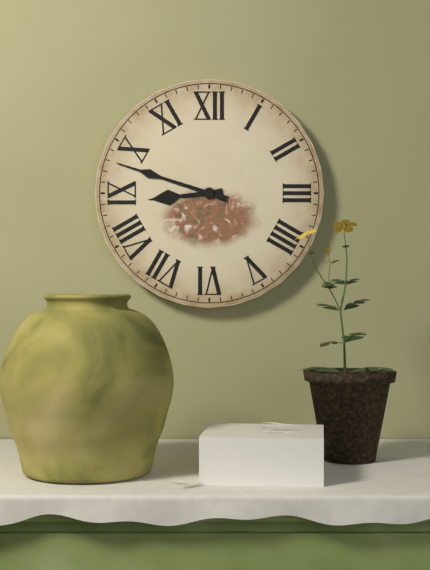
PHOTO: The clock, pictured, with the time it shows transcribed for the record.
8:48
